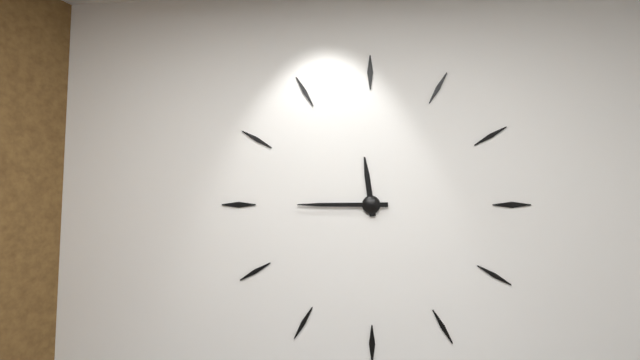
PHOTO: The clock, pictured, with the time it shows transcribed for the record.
11:45
